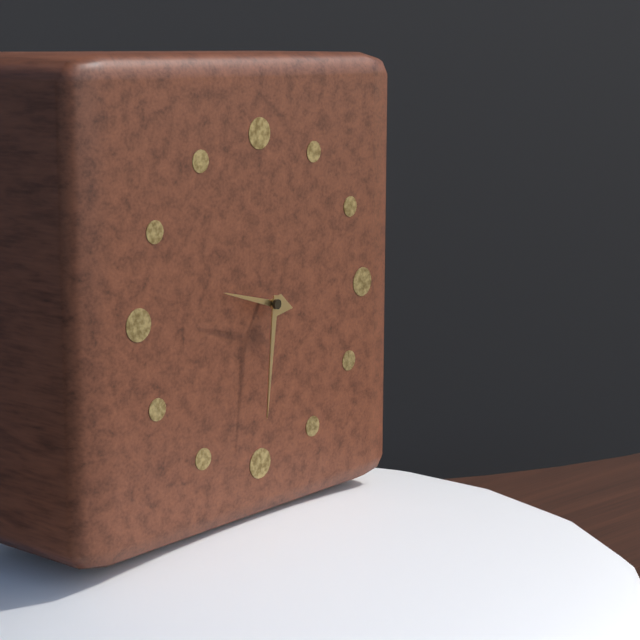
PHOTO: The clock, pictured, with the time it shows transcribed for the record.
9:31
